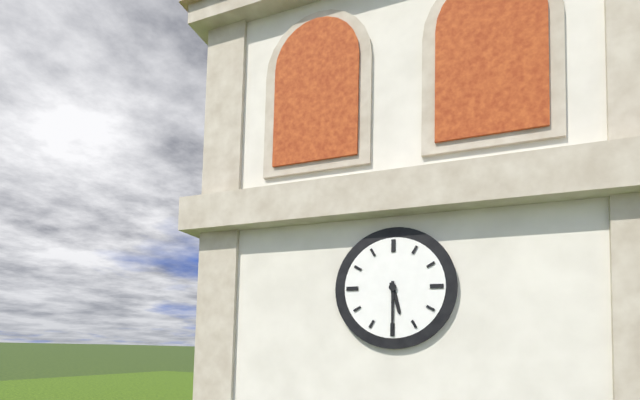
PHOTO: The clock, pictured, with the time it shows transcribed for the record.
5:30
